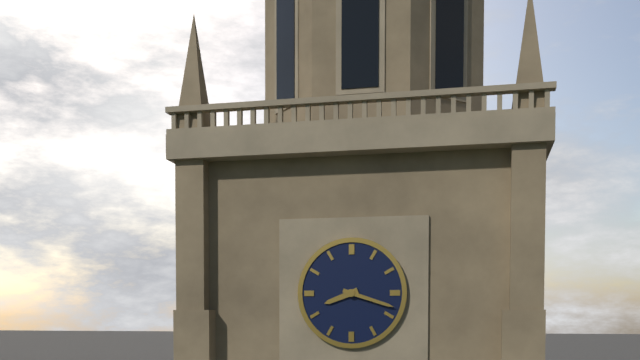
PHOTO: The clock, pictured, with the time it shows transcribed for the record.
8:18
